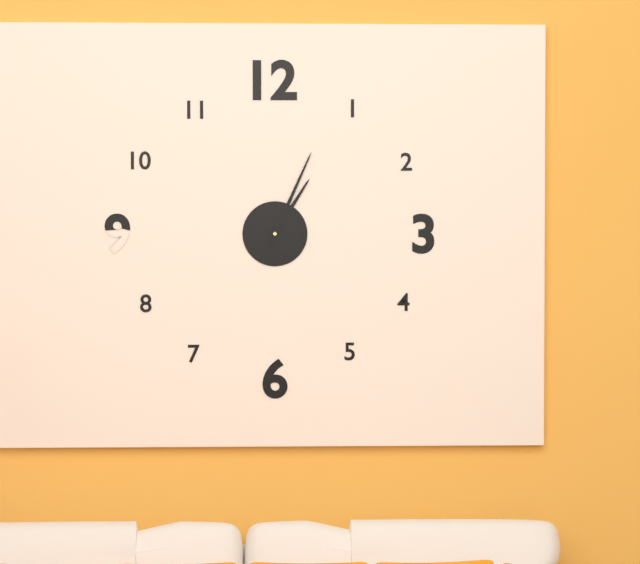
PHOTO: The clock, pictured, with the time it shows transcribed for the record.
1:04
